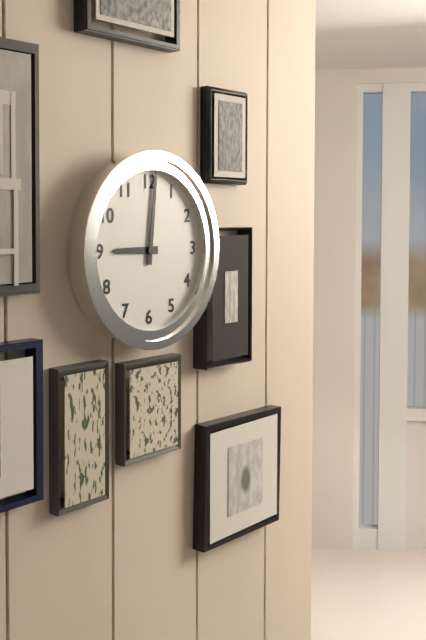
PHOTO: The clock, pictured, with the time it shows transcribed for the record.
9:01
